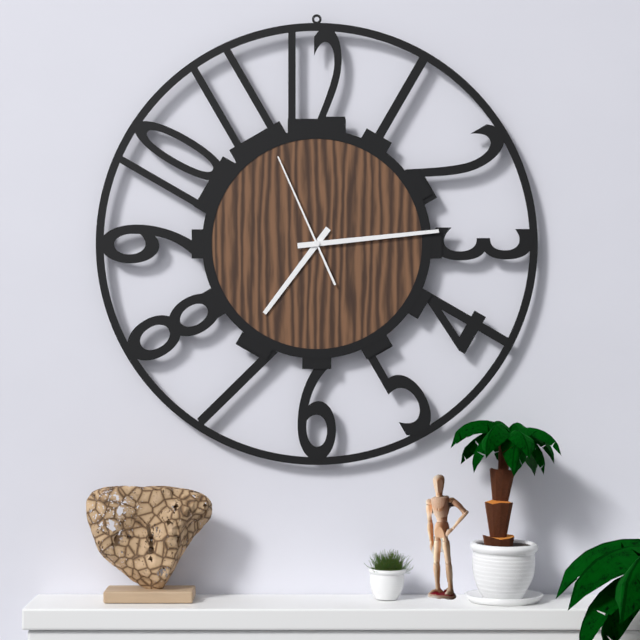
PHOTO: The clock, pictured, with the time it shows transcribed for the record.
7:14:56
